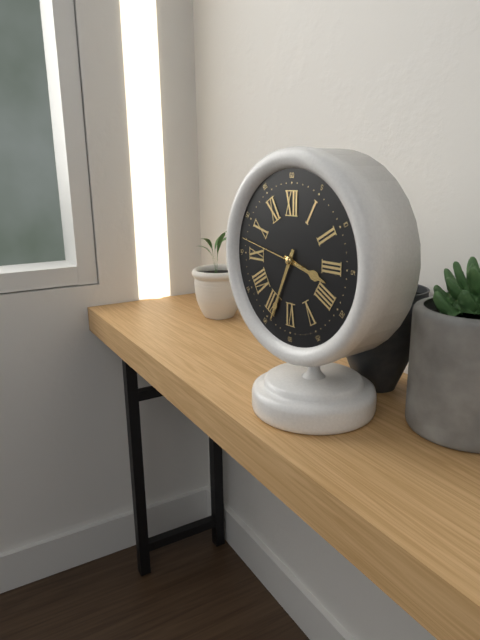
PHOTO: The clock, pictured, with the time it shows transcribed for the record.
3:34:47
